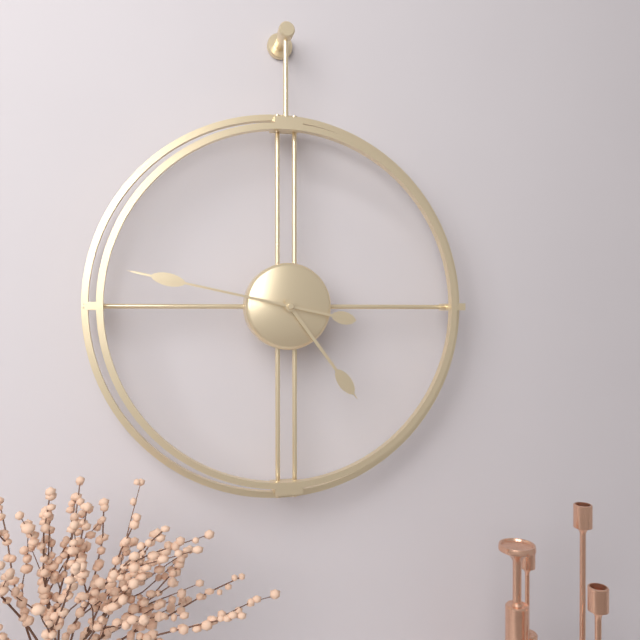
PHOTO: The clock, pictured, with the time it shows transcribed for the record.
4:47
